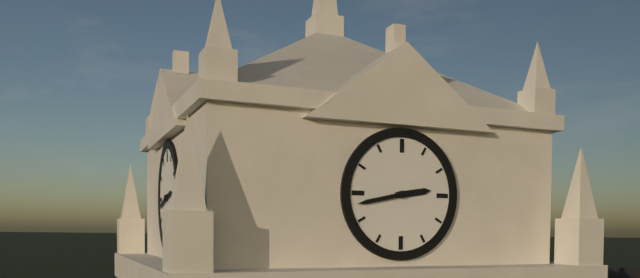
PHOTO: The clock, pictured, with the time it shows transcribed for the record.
2:43
